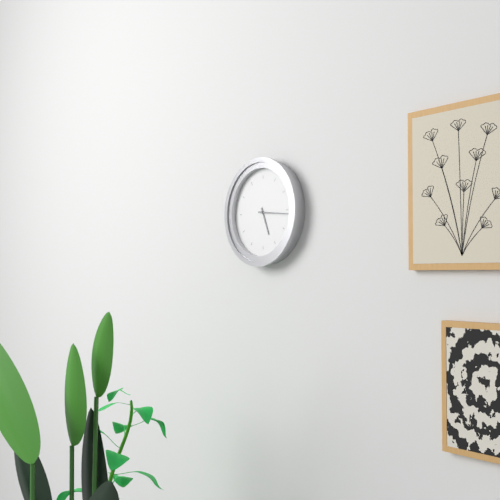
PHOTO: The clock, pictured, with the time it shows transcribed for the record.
5:16
